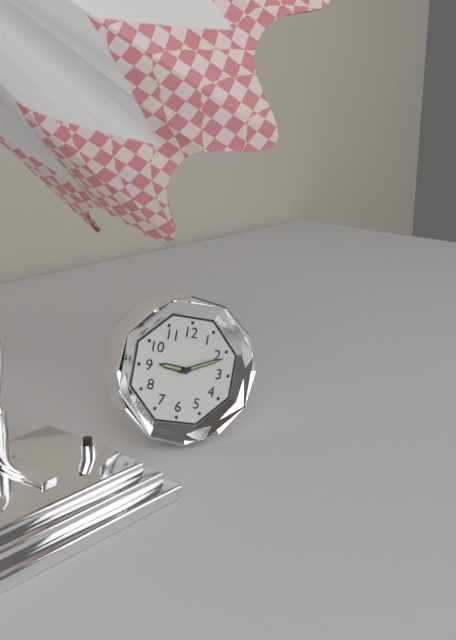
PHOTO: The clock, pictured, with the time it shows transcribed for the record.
9:11
